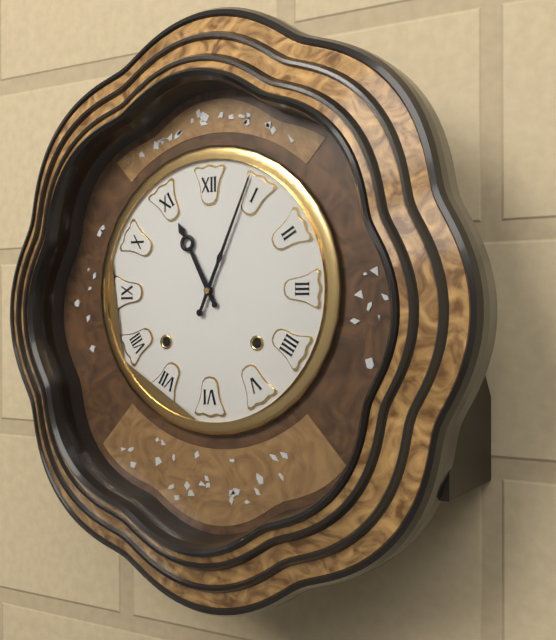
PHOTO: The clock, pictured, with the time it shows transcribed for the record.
11:04
